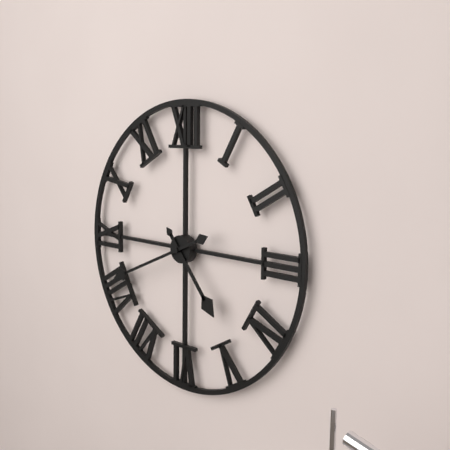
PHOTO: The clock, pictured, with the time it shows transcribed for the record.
4:41
